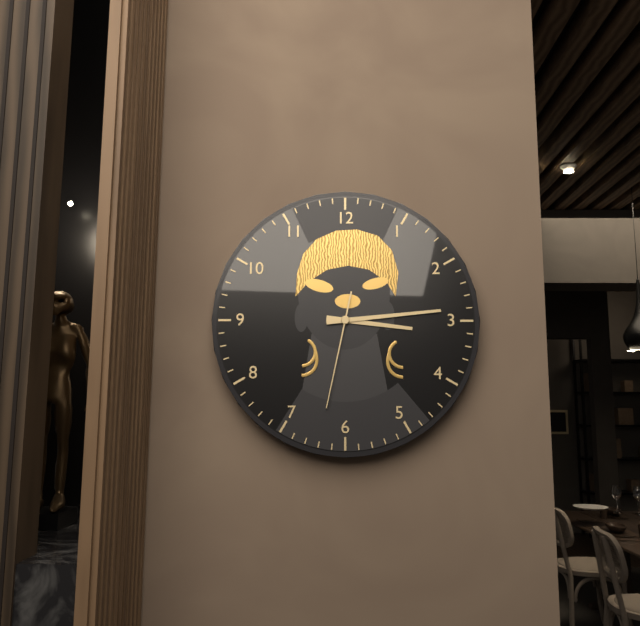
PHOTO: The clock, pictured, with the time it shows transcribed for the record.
3:14:32
